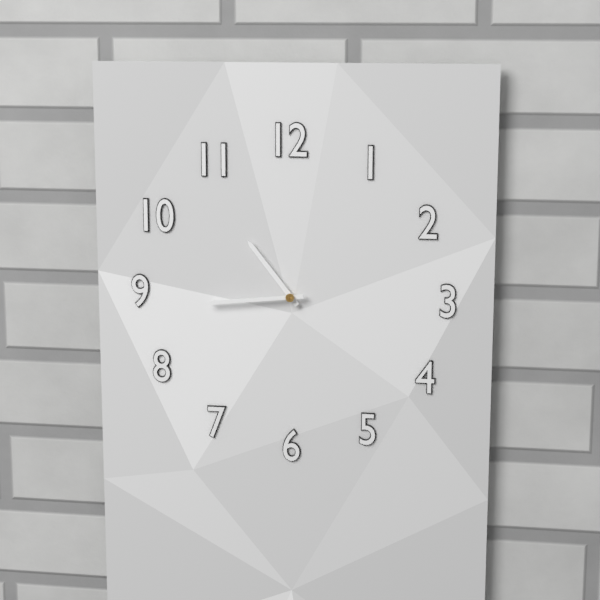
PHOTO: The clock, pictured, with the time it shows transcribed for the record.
10:44
